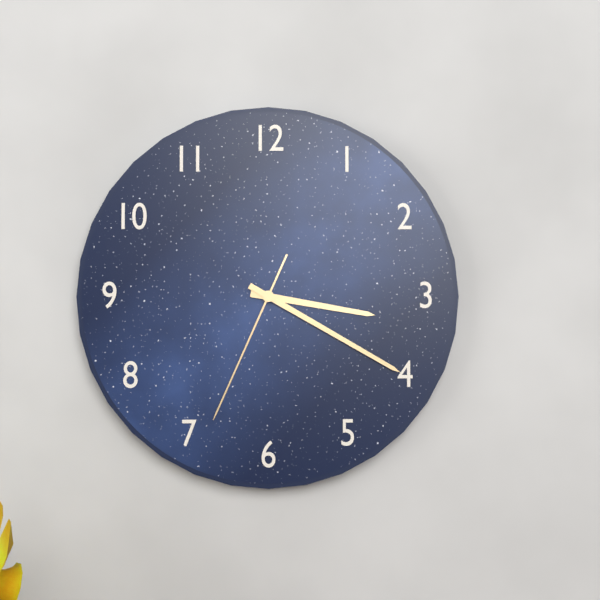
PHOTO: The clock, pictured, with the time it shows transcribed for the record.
3:20:34
